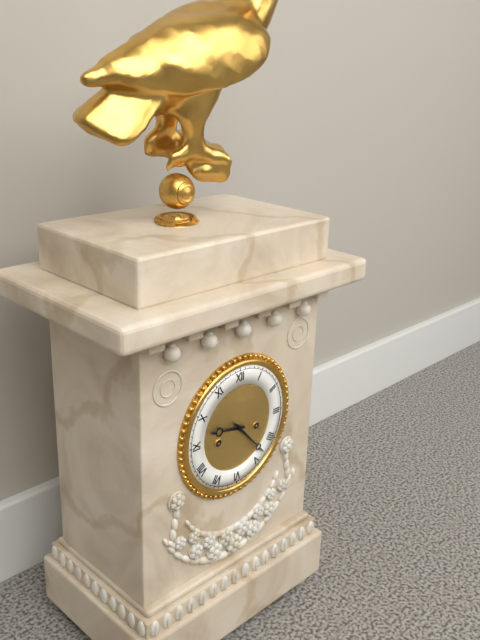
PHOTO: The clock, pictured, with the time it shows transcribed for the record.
9:23
